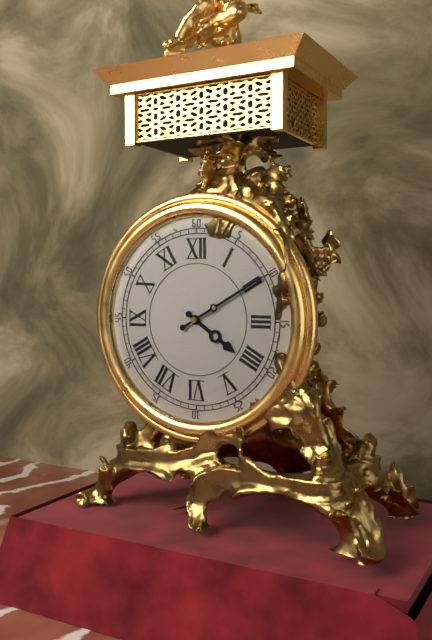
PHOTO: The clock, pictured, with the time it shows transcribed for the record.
4:10
